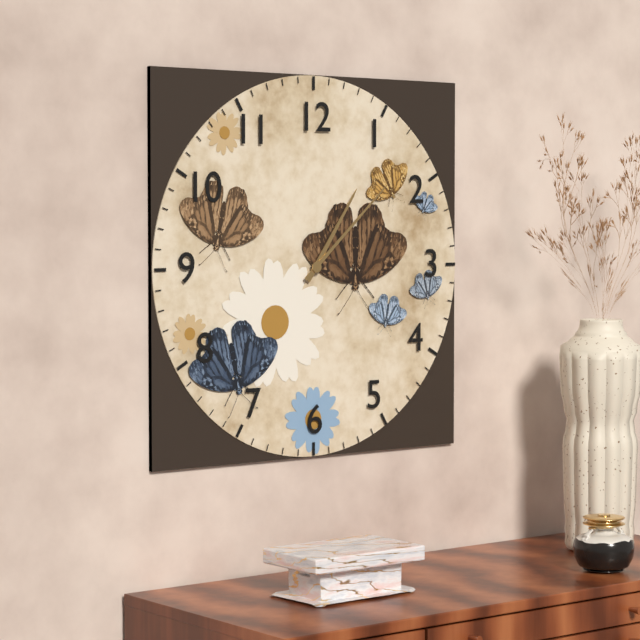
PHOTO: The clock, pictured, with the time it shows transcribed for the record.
1:08
